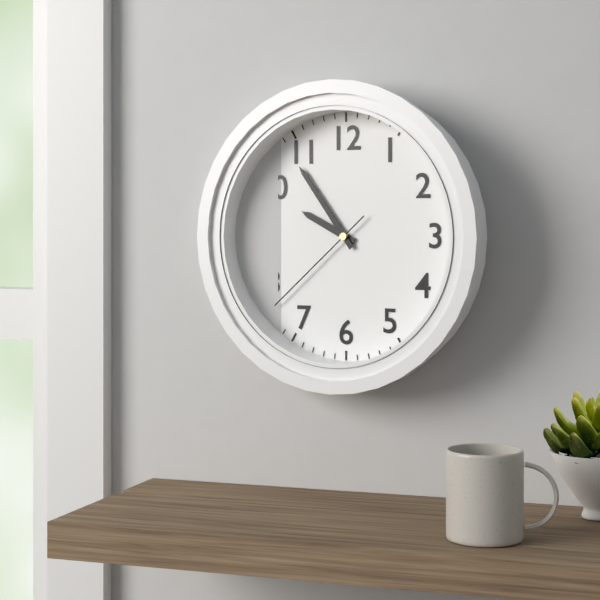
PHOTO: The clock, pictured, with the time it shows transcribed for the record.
9:54:38
